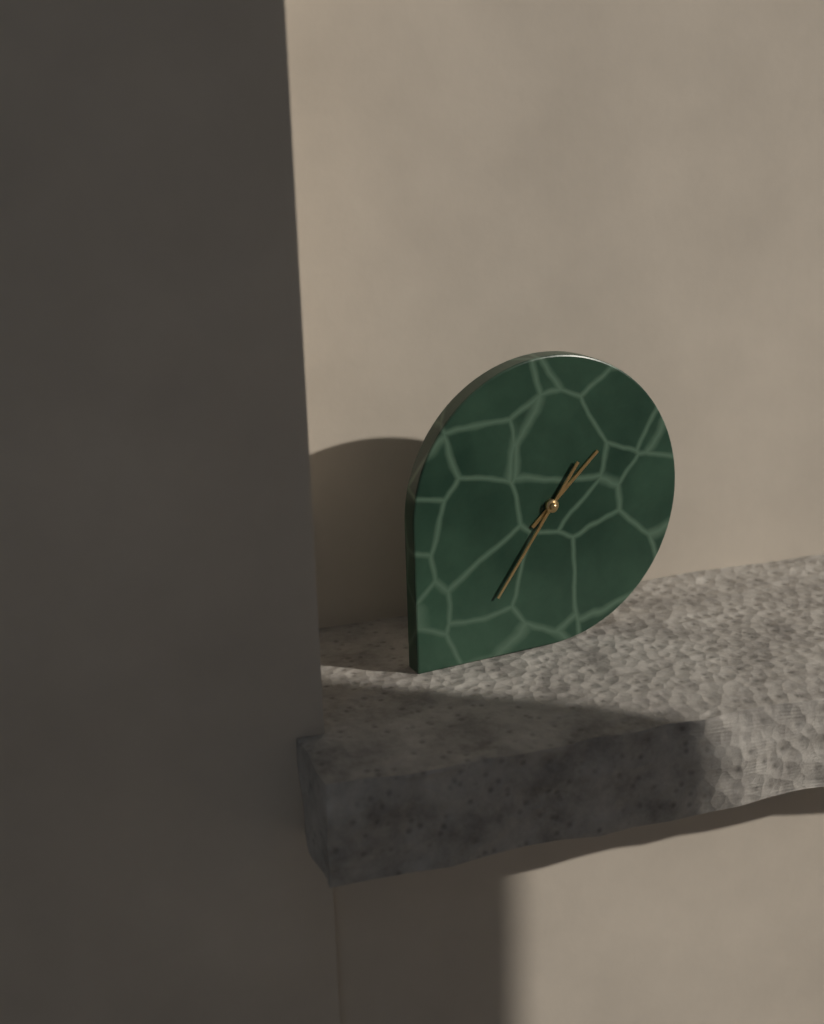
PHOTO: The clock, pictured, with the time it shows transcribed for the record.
1:36
